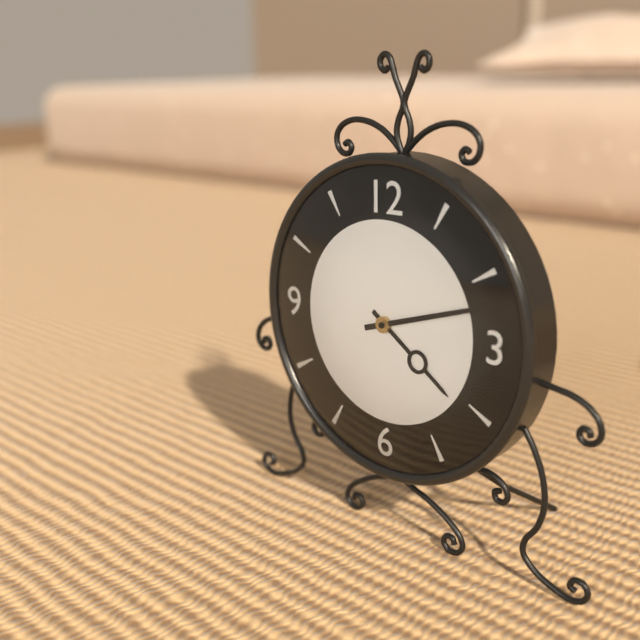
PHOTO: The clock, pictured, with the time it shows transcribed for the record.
4:12
